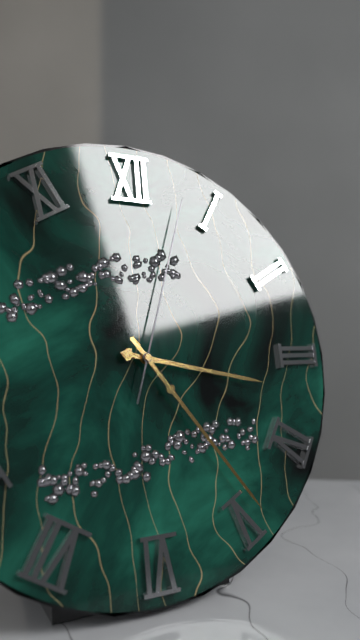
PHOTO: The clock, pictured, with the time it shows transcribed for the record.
3:24:03
